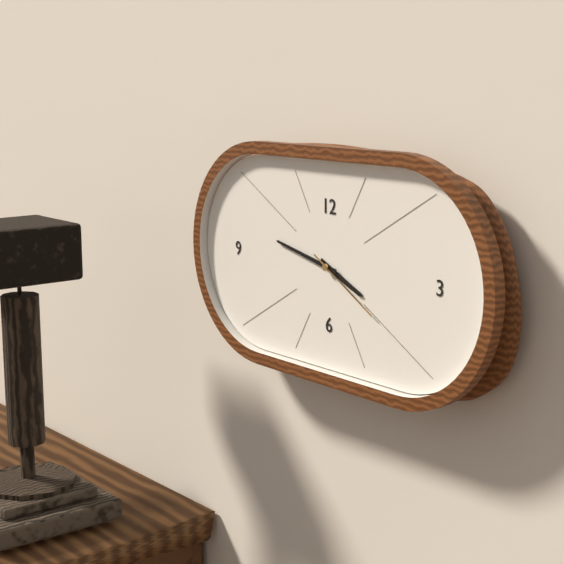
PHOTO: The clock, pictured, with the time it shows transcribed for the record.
3:47:20
